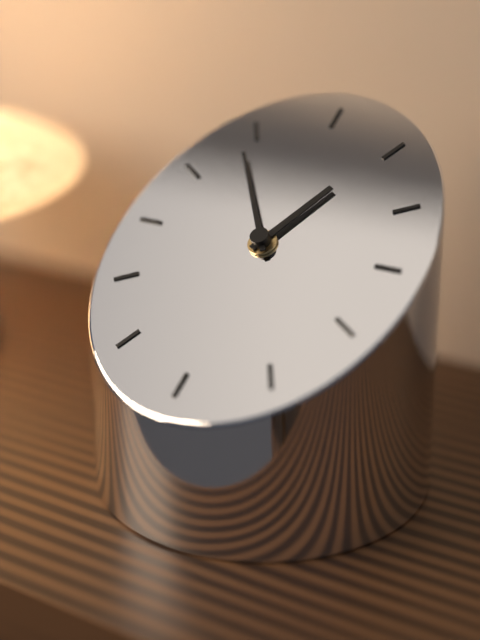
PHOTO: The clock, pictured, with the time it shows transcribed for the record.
12:54
